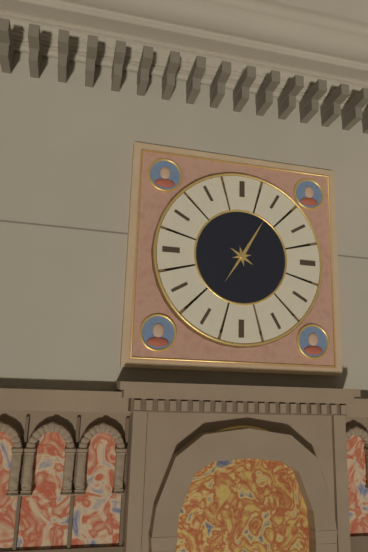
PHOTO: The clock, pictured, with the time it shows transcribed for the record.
7:05
